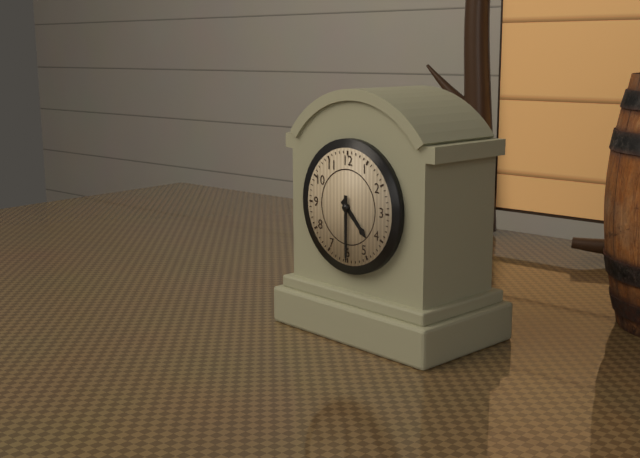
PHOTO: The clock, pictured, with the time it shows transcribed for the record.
4:30
